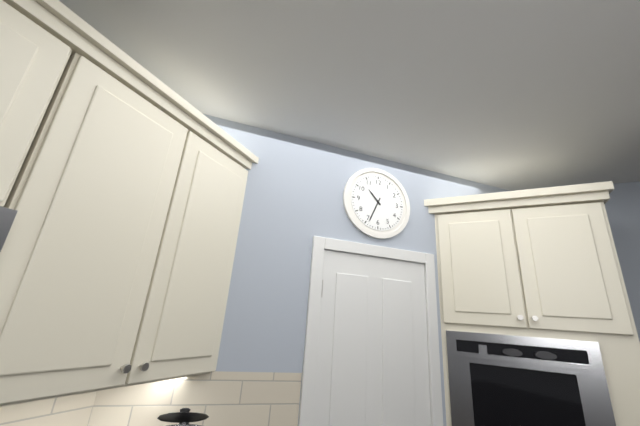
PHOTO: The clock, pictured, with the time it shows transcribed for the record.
10:34
